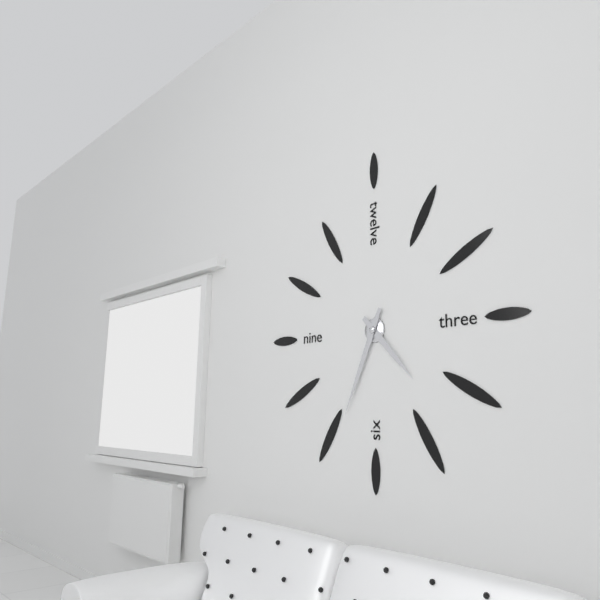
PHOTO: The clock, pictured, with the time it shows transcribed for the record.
4:34
